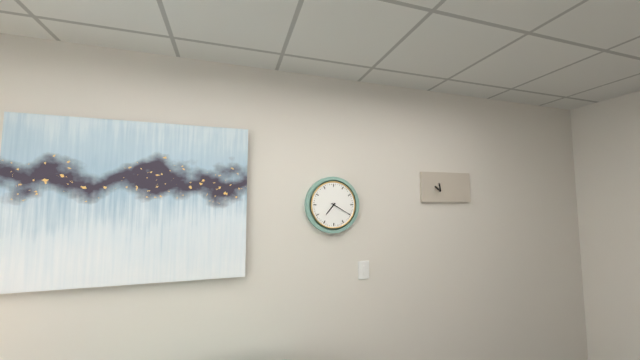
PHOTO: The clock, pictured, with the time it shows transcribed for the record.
7:20
